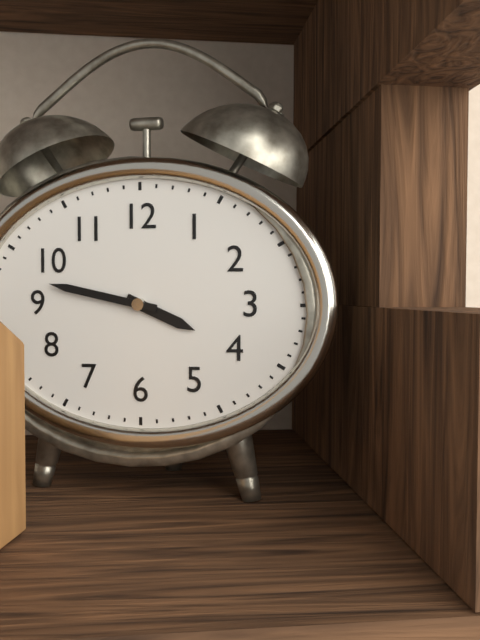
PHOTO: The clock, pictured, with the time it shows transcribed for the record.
3:47
